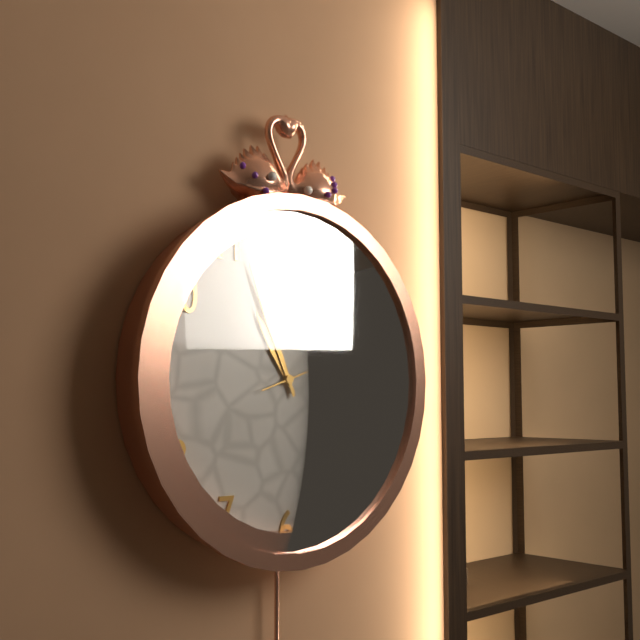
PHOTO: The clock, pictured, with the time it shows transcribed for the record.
10:56:12
